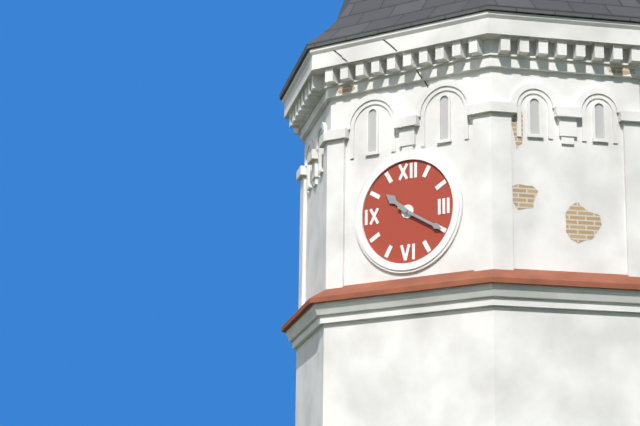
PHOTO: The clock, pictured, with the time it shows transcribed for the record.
10:20
